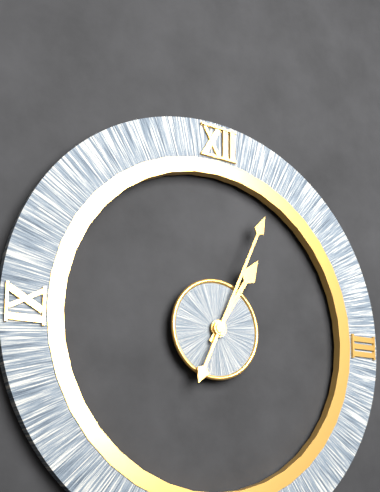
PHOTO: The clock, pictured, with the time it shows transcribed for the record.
1:04
